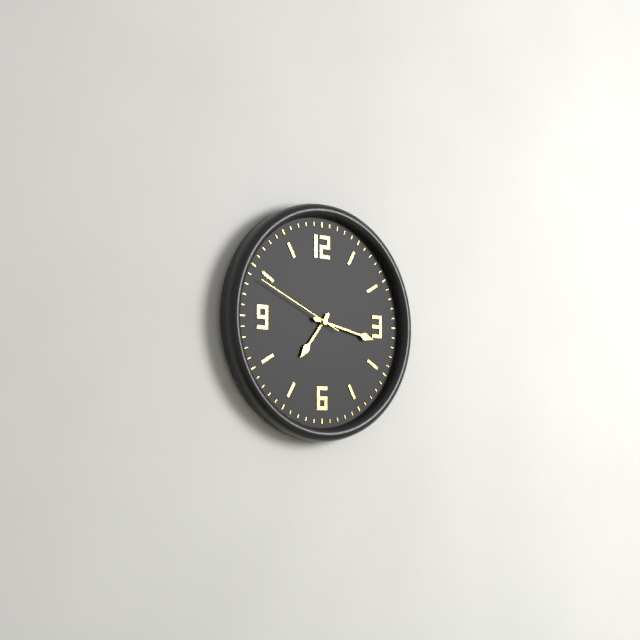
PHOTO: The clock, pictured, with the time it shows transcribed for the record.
7:17:49
